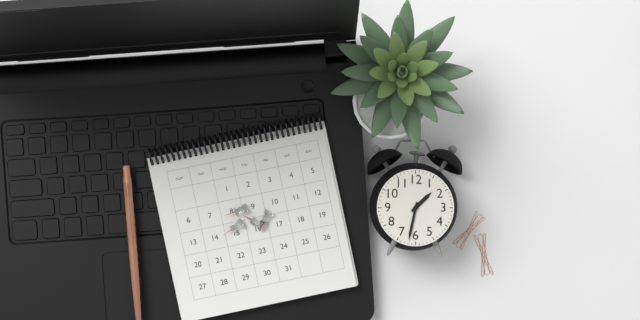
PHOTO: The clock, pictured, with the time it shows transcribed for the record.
1:32
